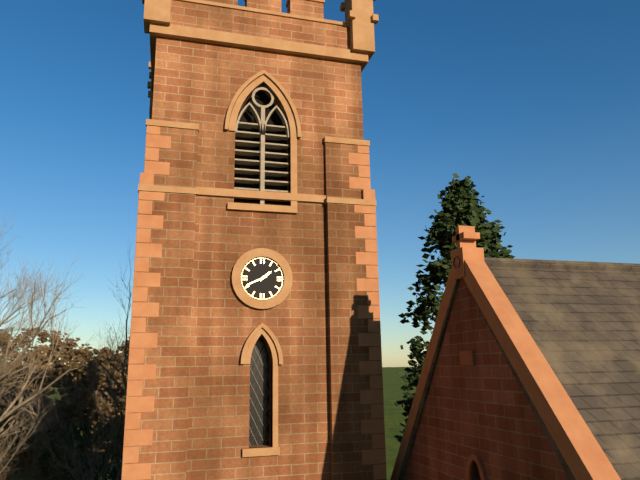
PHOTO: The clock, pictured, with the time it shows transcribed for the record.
1:41
